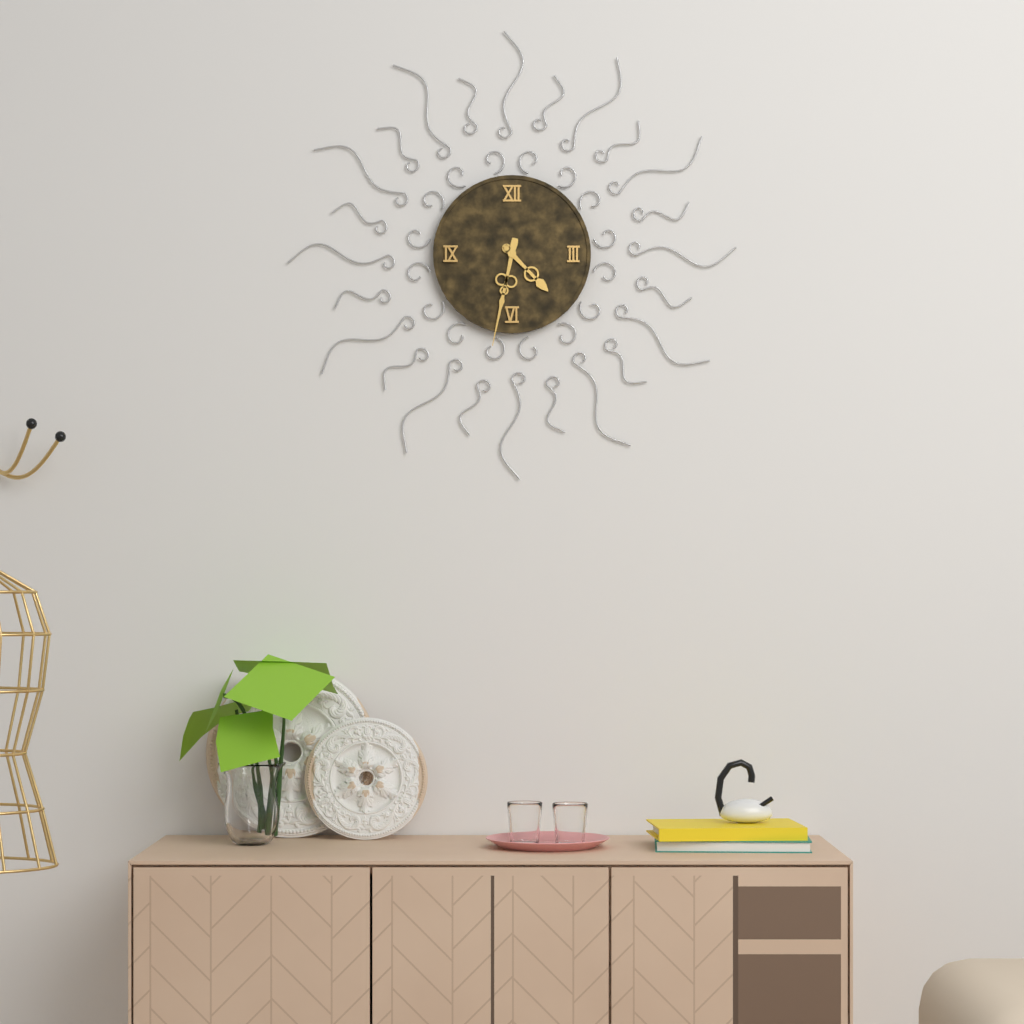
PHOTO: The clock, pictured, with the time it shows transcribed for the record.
4:32
